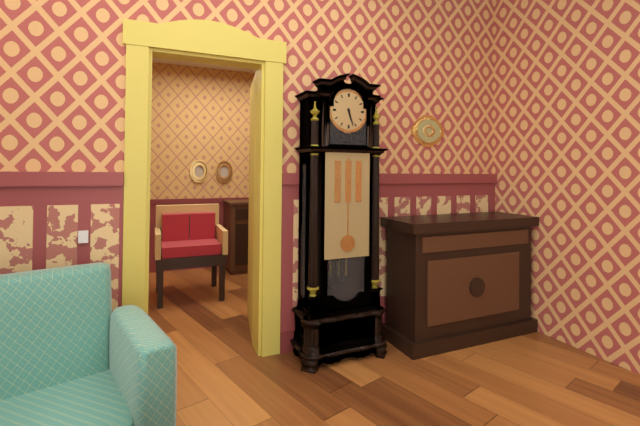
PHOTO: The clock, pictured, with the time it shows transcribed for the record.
5:27
